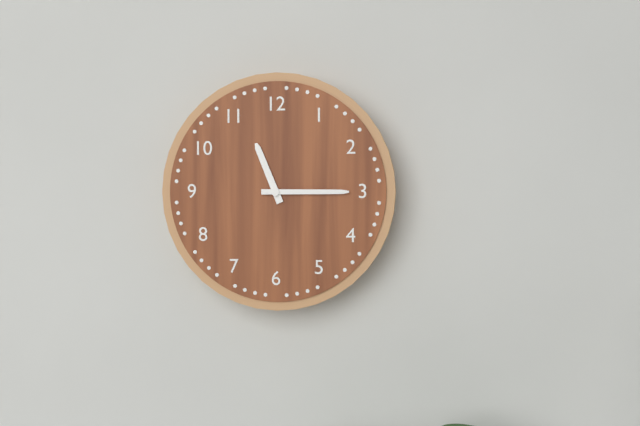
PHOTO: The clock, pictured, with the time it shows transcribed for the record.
11:15
